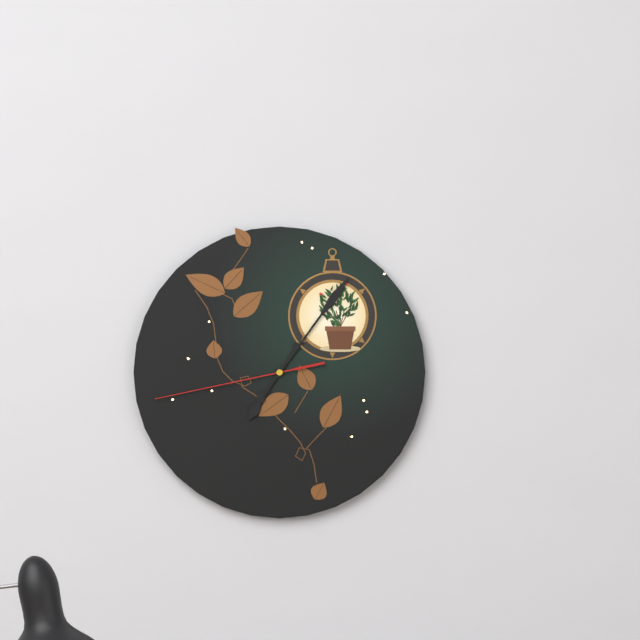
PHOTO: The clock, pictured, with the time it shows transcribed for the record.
7:06:43
